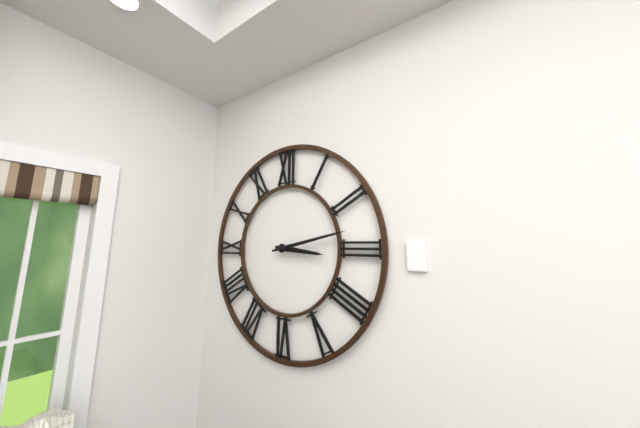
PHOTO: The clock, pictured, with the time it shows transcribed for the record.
3:13
